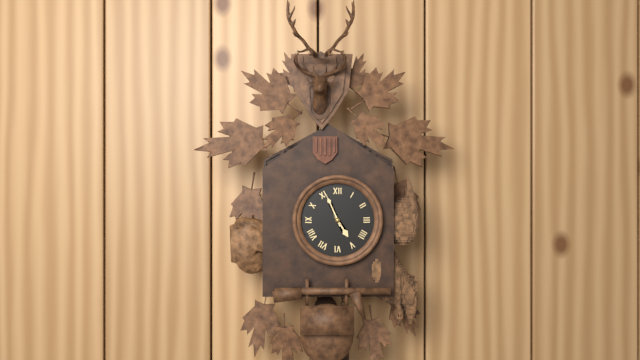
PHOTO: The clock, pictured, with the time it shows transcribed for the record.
4:56
